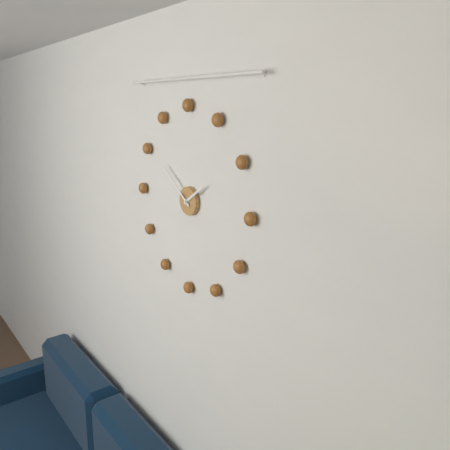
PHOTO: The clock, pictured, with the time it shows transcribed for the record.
1:51
